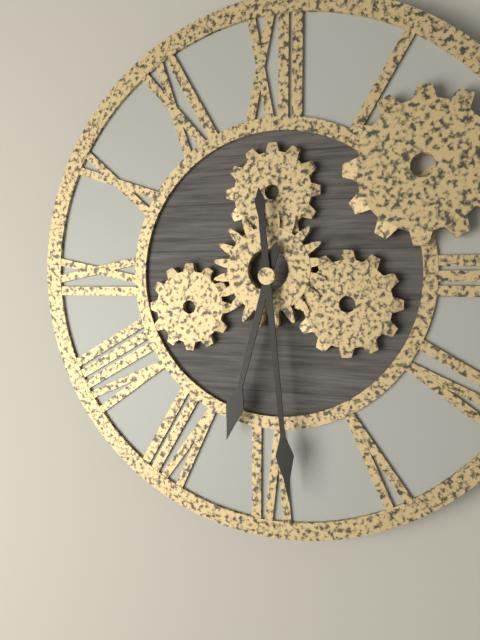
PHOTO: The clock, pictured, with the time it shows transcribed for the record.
6:29
